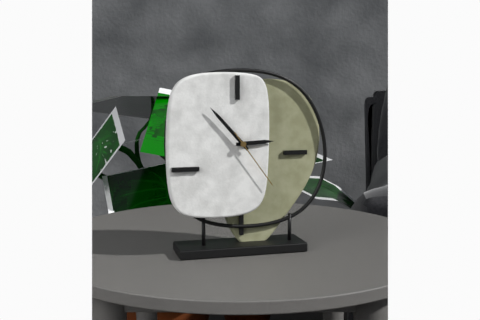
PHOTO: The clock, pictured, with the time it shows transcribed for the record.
2:53:24
